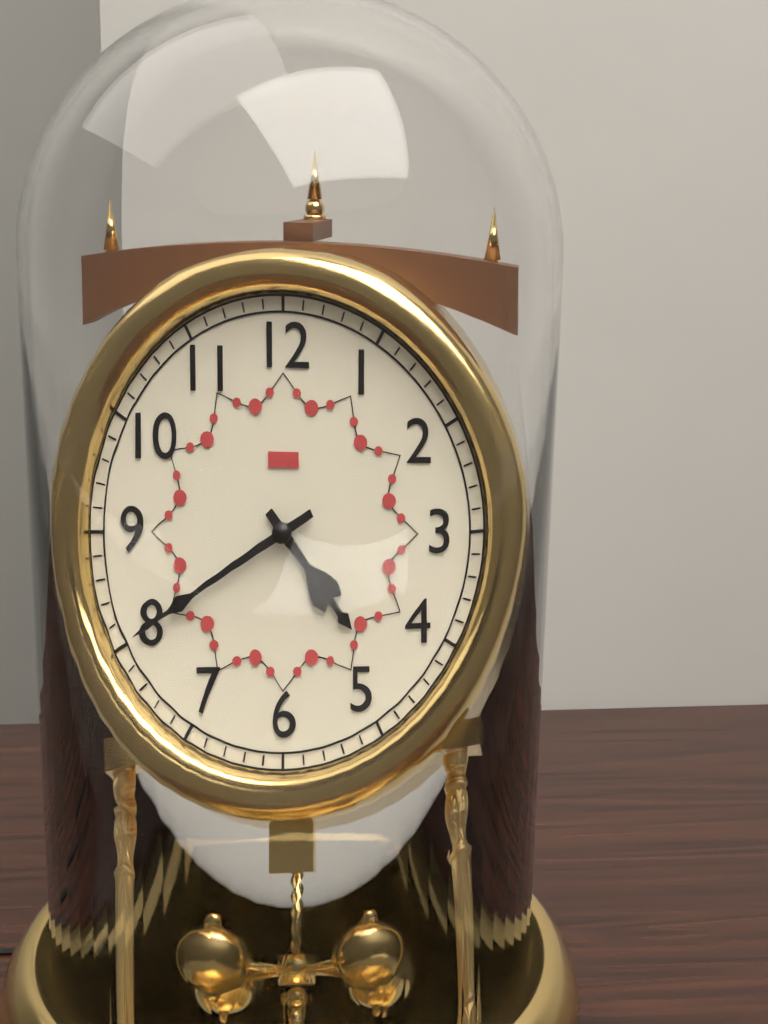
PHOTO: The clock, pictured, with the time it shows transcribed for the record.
4:40
